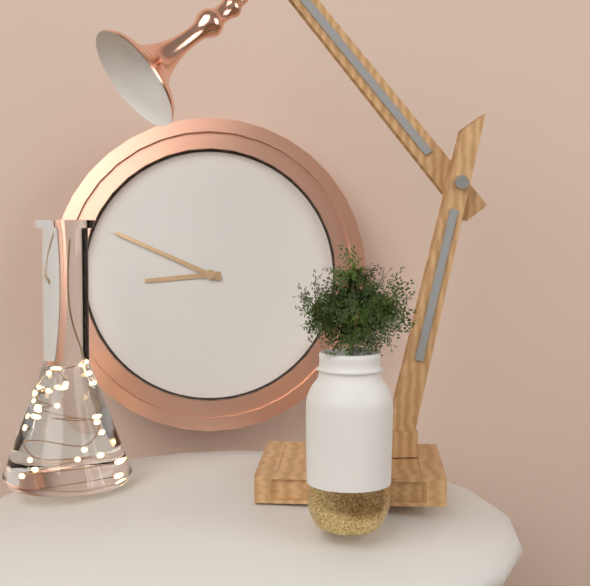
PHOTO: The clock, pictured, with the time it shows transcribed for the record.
8:49
